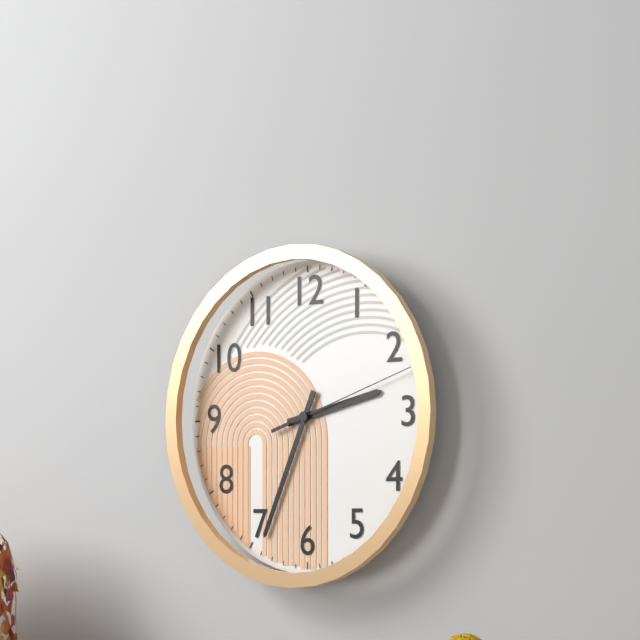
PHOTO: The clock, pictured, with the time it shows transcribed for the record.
2:34:12
